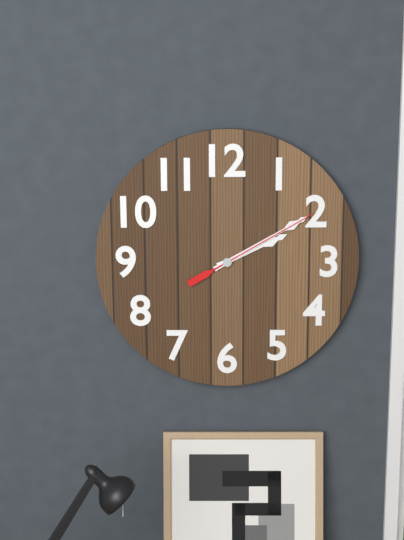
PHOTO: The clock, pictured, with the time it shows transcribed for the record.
2:10:10
